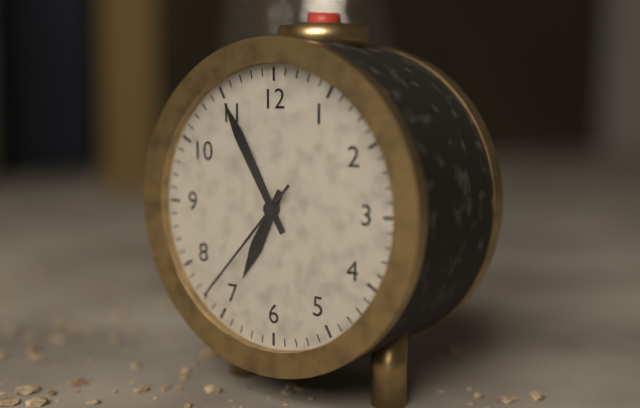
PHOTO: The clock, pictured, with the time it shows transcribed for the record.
6:55:37
